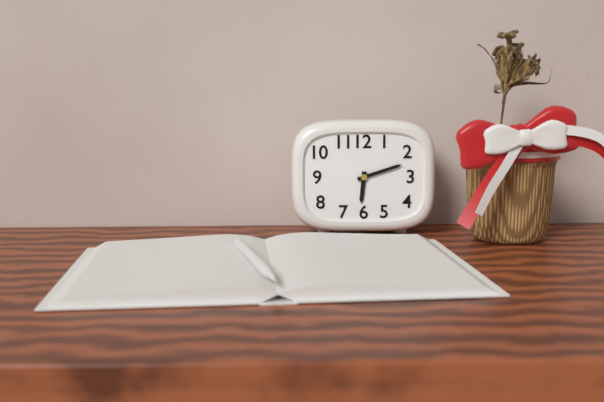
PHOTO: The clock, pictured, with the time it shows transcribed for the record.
6:12
